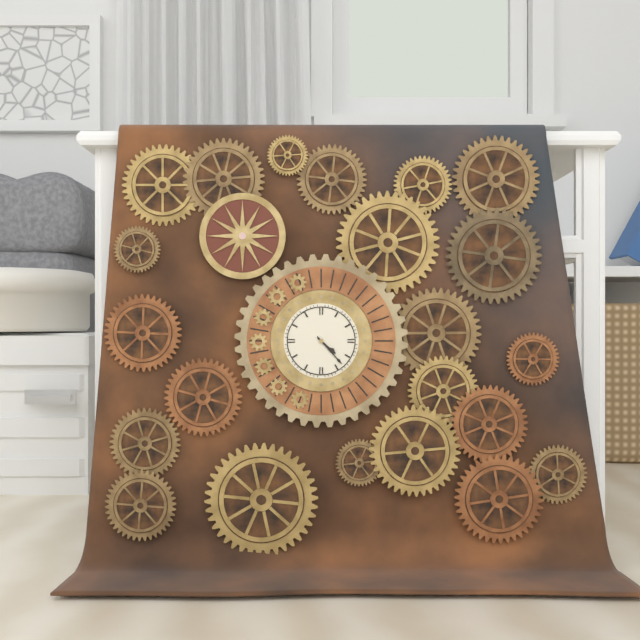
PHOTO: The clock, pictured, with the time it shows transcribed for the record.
4:23
